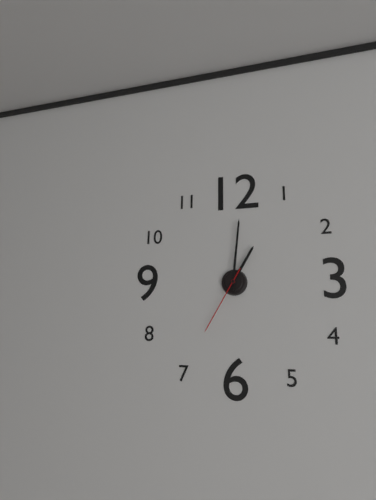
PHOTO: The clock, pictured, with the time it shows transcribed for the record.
1:01:35
